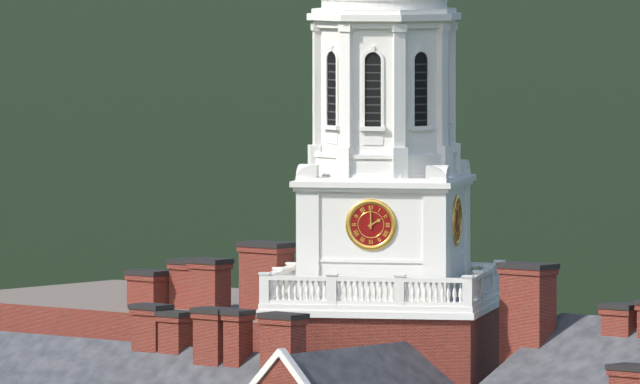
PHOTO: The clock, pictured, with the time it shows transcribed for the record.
2:00
